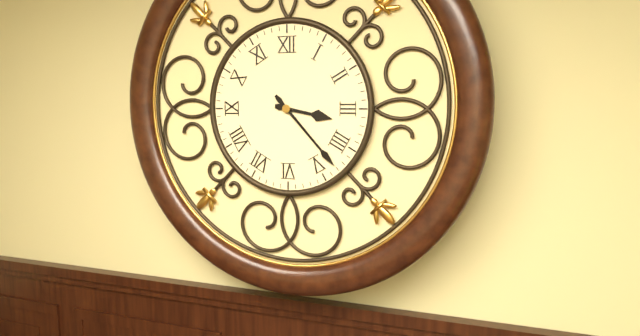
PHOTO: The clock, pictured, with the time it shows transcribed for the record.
3:23
